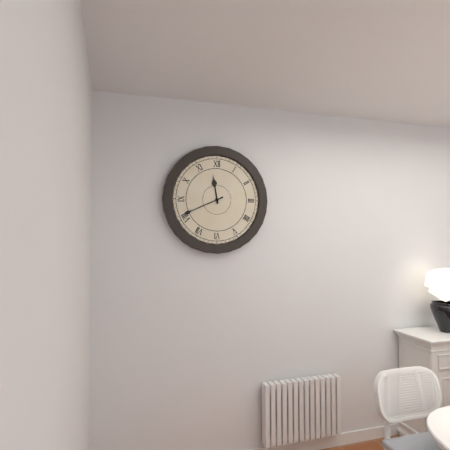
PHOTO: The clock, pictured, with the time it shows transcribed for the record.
11:41
